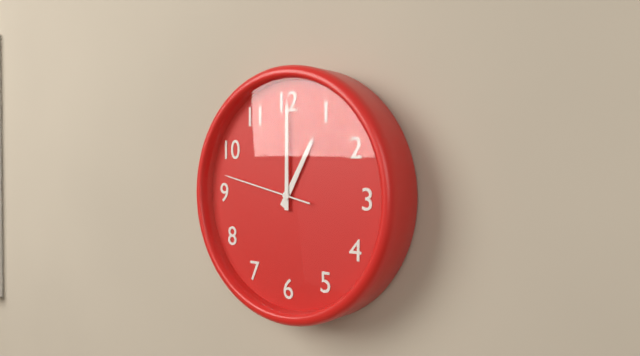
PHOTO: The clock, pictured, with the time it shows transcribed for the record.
1:00:47
